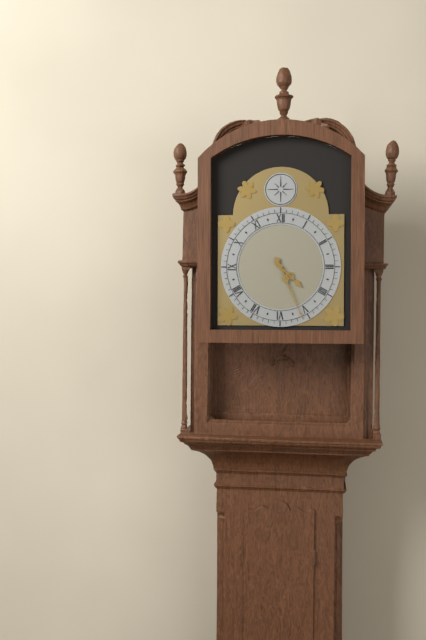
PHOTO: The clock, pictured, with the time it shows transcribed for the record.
4:26
